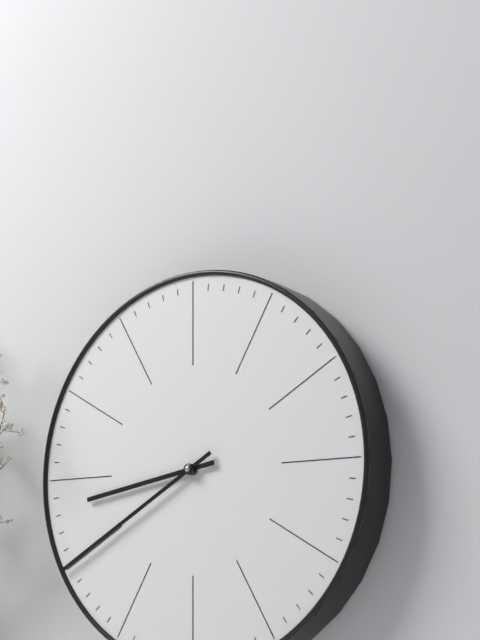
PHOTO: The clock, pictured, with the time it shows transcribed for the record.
8:40
